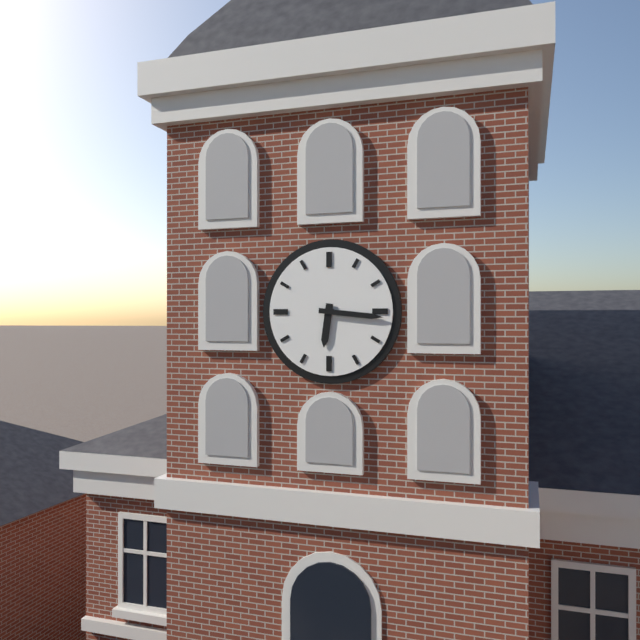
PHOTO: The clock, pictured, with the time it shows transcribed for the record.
6:16
